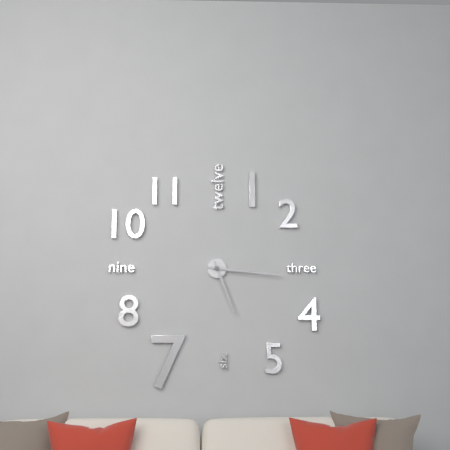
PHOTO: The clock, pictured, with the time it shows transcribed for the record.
5:16
